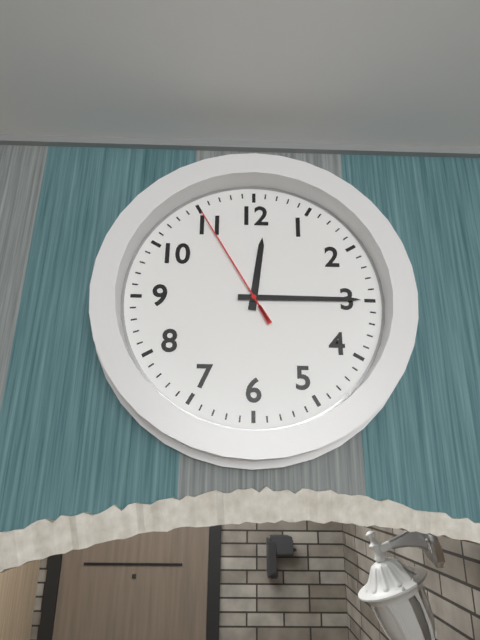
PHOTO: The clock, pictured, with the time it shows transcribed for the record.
12:15:55
